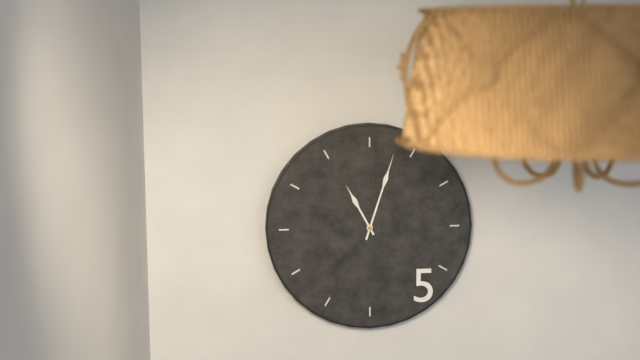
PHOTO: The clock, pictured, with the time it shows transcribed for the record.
11:03
